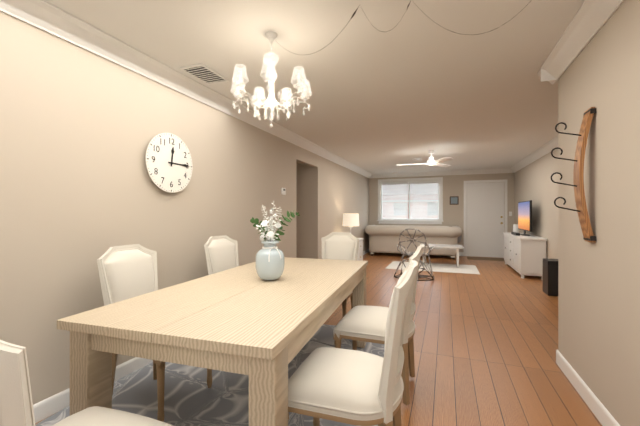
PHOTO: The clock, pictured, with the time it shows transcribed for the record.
12:15
